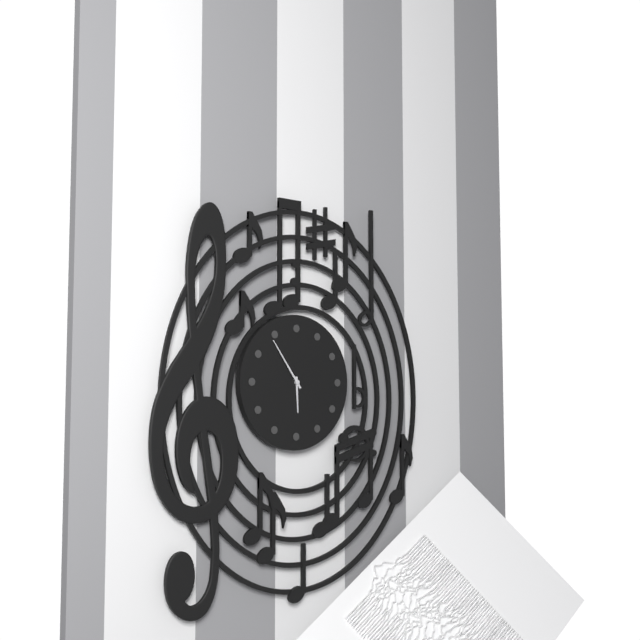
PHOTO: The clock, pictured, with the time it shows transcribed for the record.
5:54
